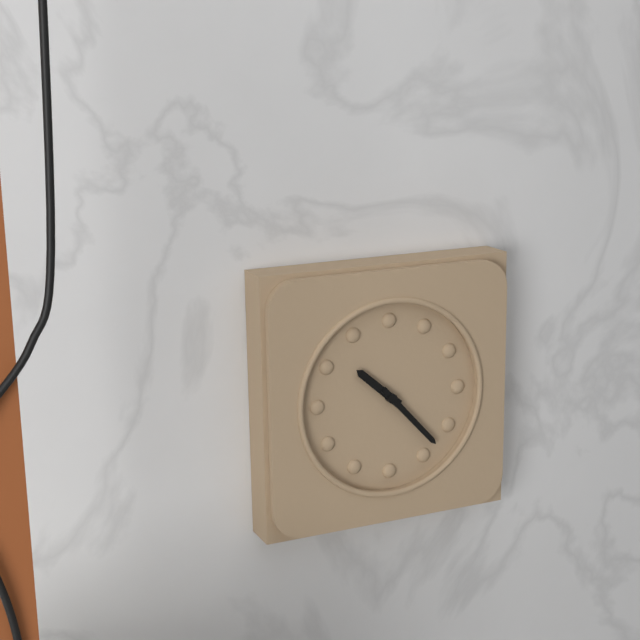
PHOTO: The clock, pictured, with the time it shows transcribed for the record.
10:23
